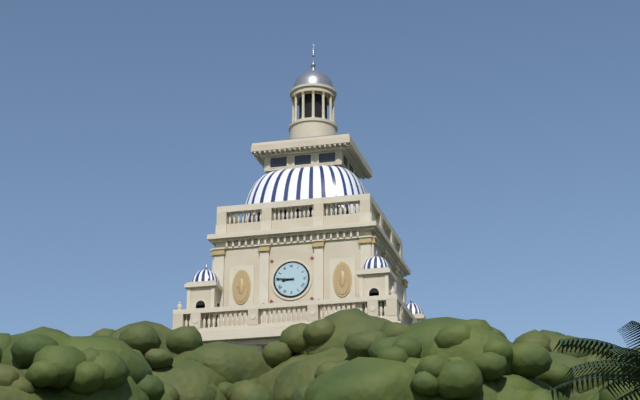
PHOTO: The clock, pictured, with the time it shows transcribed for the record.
8:46
